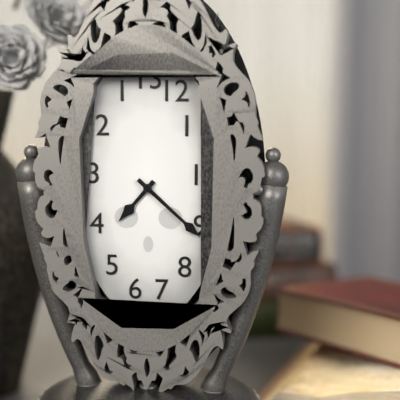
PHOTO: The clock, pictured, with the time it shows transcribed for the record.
7:22
